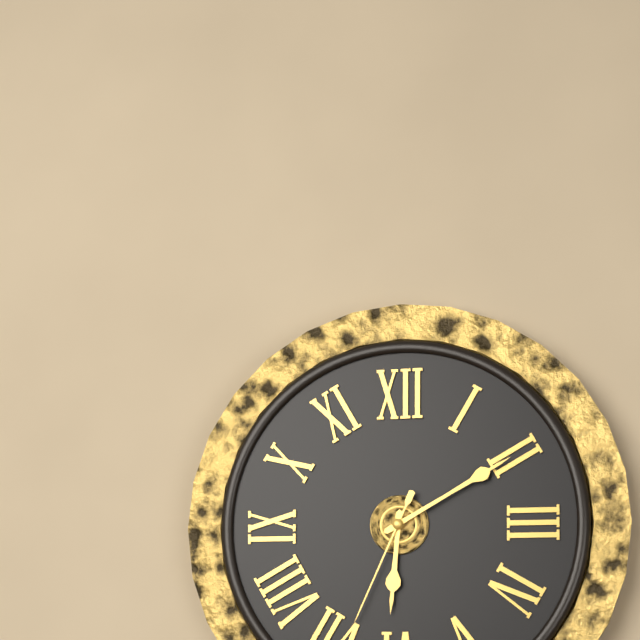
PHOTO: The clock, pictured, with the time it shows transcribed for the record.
6:10:34
